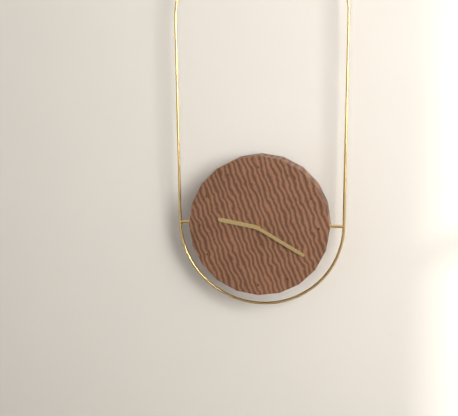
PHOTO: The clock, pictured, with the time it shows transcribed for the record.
9:20
